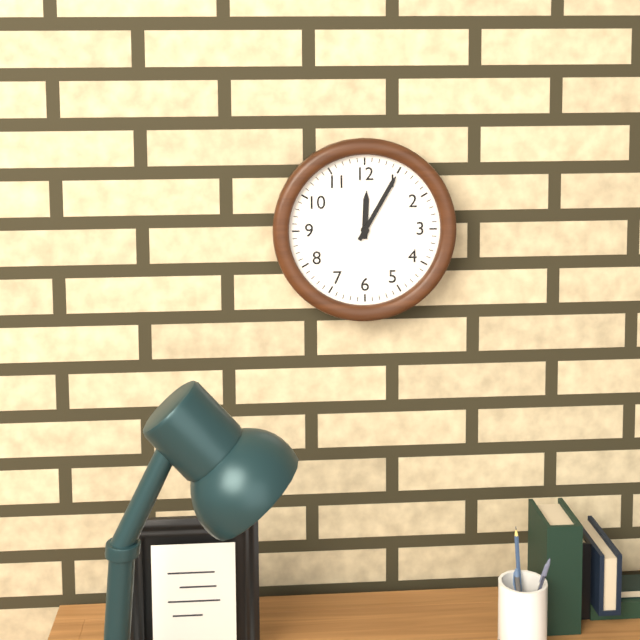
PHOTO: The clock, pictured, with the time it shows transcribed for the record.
12:05
